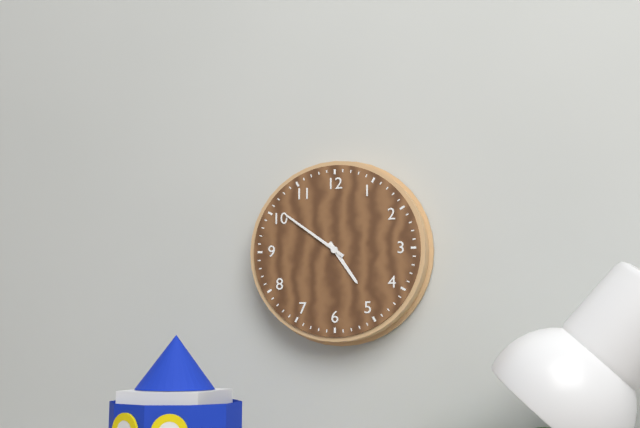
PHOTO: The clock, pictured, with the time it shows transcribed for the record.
4:51
